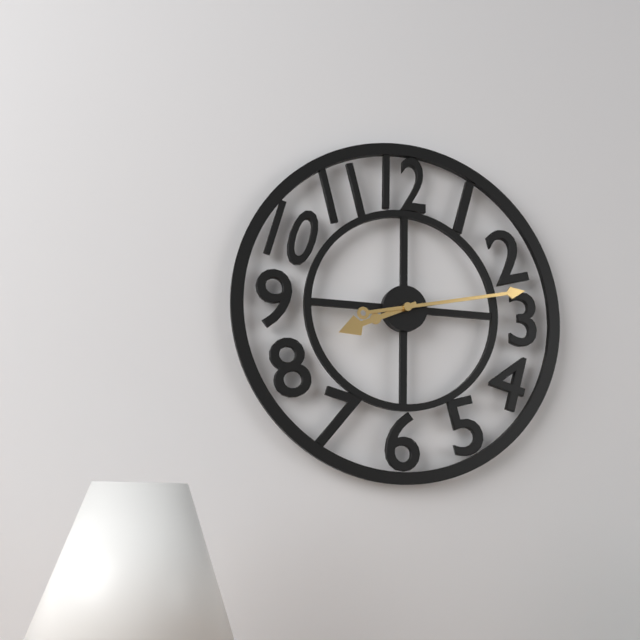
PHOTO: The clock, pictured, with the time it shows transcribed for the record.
8:13
